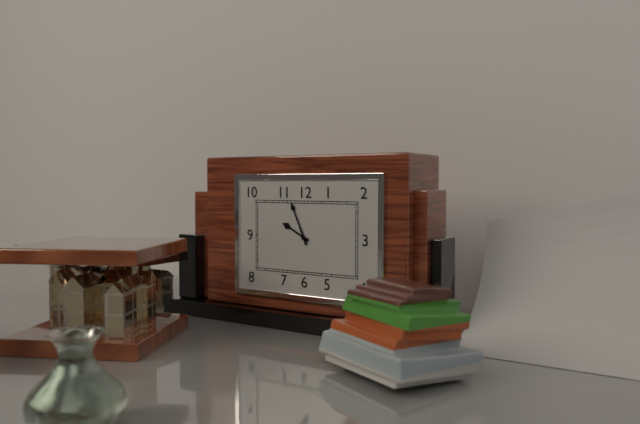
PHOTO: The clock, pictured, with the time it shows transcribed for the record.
9:56
